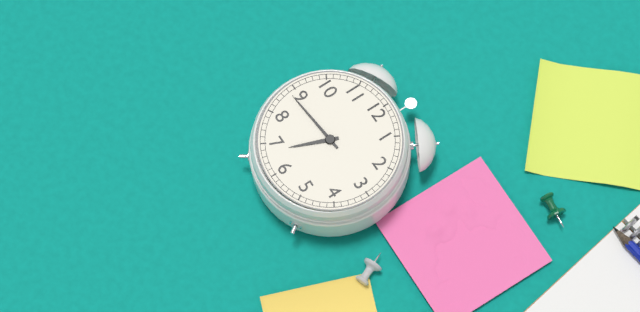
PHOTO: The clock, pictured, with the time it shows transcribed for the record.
6:44
